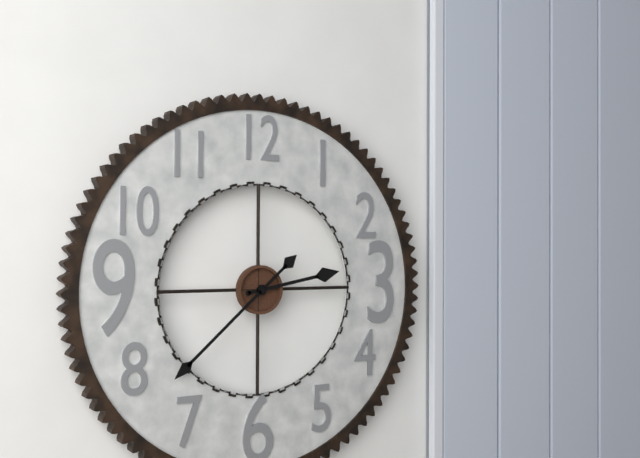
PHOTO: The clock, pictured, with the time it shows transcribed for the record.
2:38
